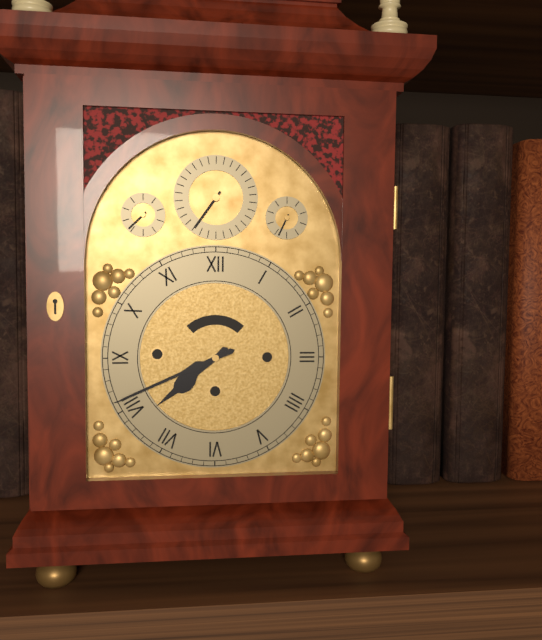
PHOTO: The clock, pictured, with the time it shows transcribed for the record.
7:41
